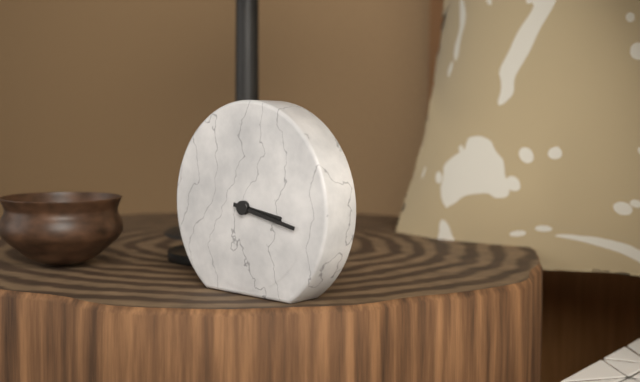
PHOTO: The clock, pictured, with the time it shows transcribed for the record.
3:17
